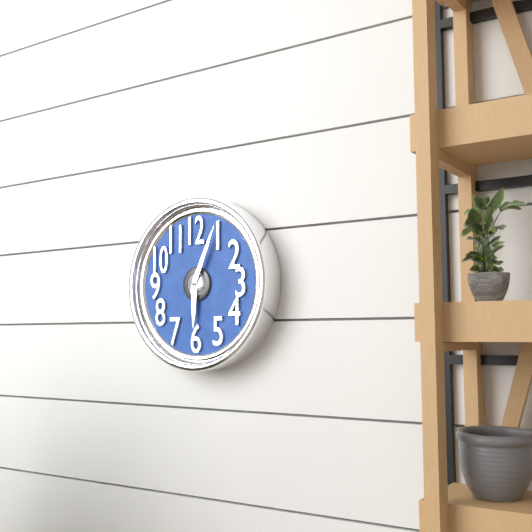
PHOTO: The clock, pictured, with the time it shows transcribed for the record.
6:04
